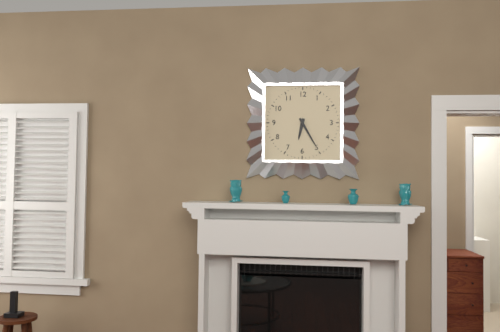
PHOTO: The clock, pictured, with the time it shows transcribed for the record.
6:25
